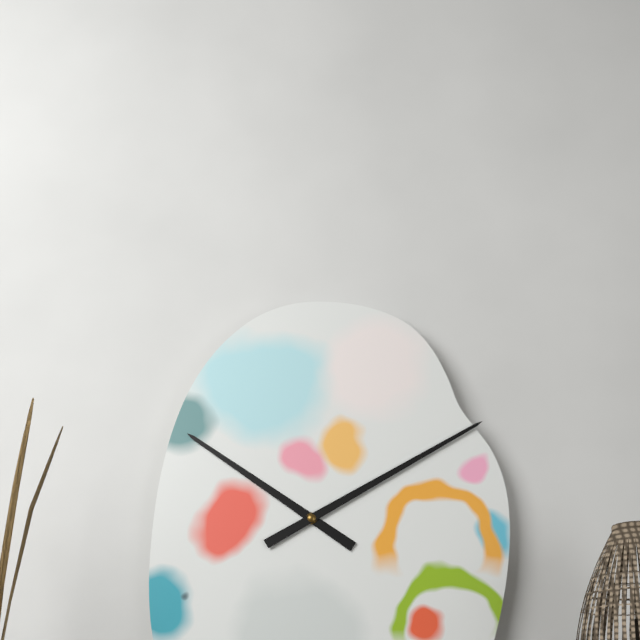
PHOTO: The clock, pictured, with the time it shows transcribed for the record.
10:10
